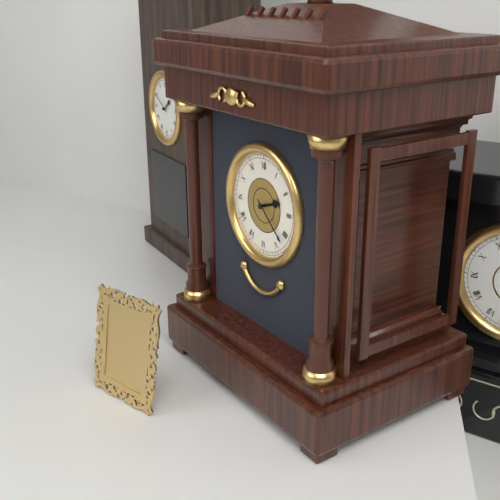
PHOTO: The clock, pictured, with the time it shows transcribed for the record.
2:22
